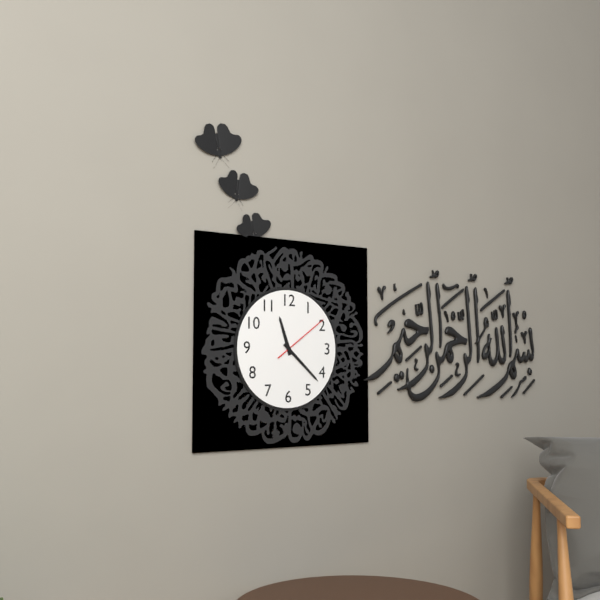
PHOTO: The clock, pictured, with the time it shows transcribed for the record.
11:22:09
